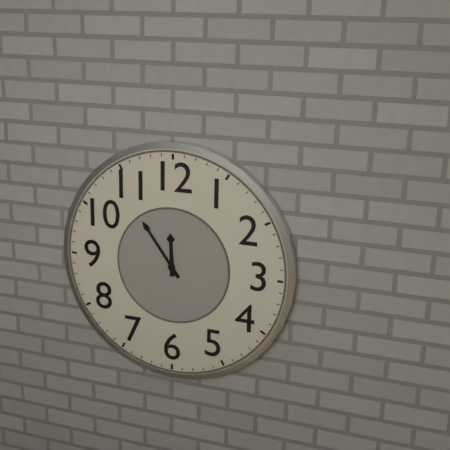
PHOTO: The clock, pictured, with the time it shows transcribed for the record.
11:54
